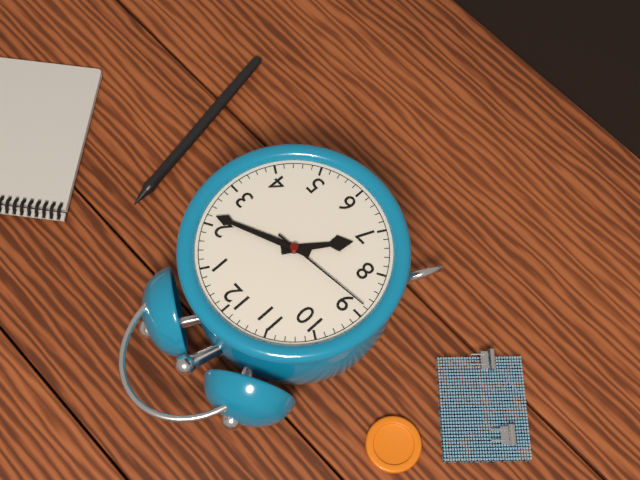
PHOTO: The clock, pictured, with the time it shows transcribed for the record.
7:11:44
